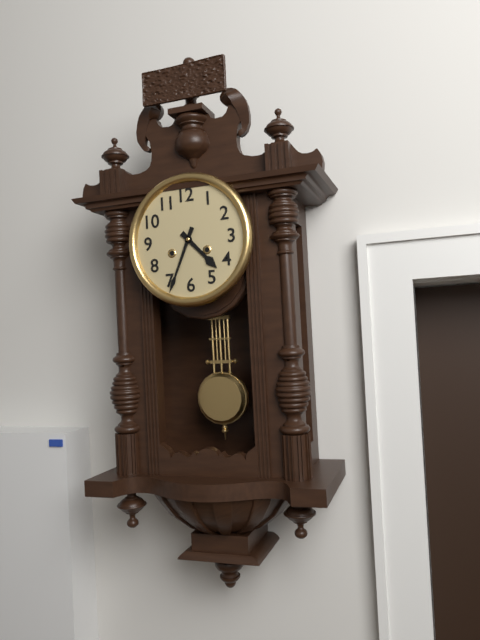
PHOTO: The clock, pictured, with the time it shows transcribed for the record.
4:34
